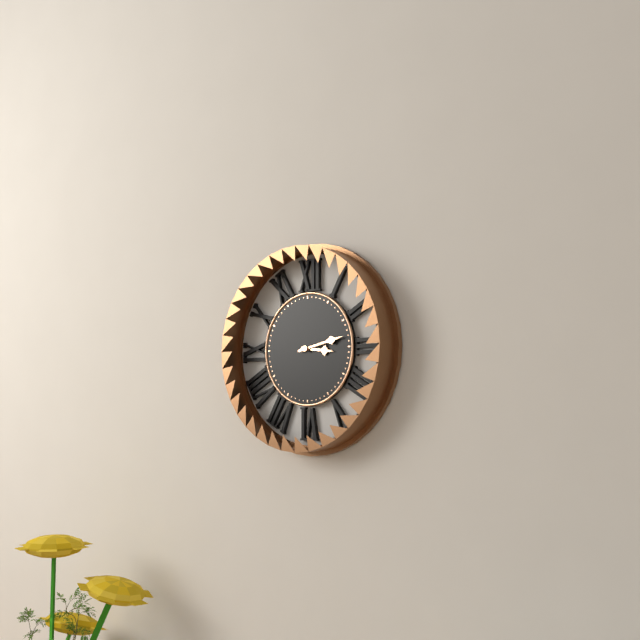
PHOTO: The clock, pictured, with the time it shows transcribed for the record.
3:13
